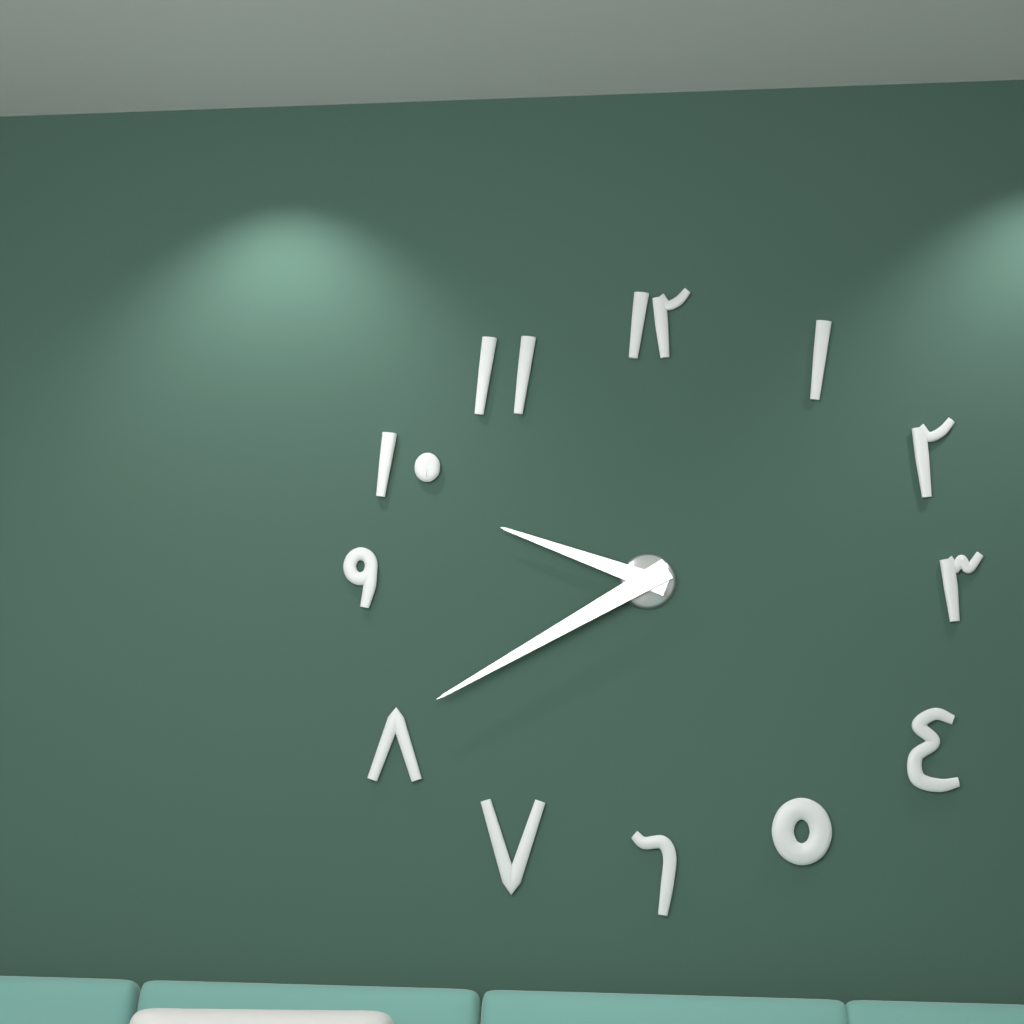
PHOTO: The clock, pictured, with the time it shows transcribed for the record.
9:40
